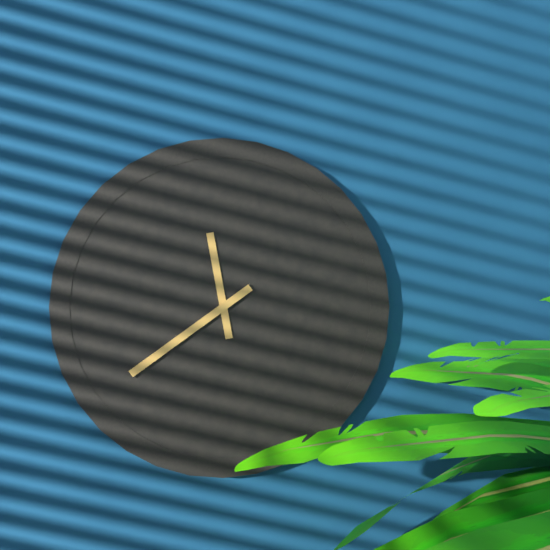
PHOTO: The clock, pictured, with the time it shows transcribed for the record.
11:39
